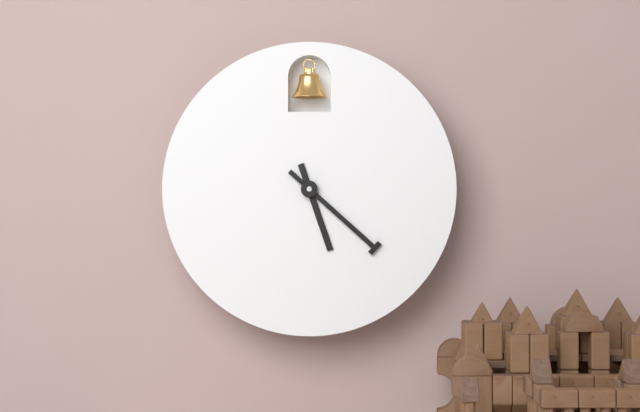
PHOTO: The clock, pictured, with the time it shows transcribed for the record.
5:22
